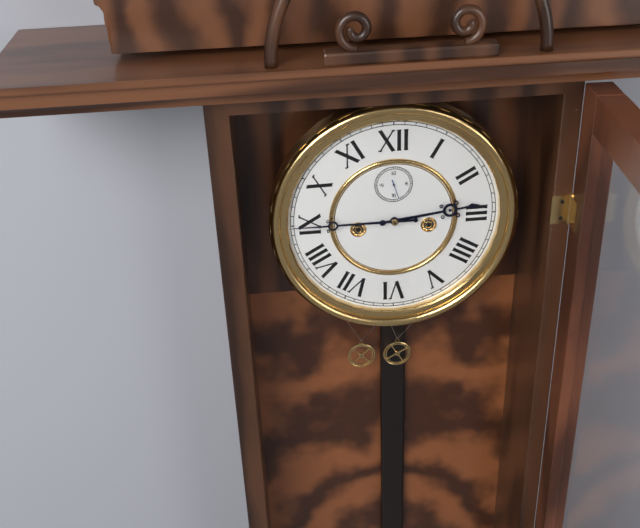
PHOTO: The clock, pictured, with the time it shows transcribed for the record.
2:45
